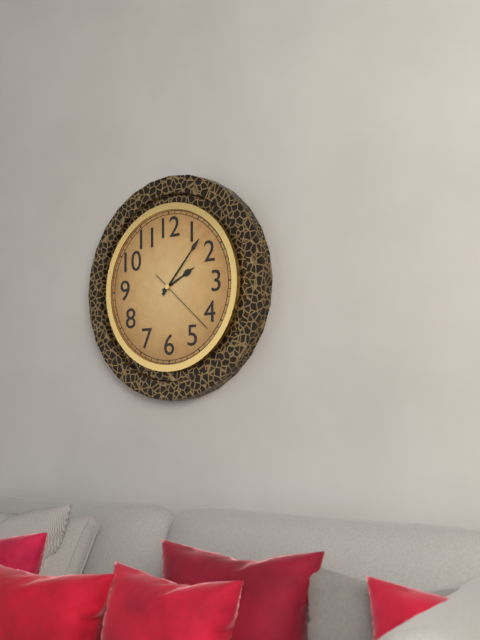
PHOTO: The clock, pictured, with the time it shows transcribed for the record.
2:07:22
